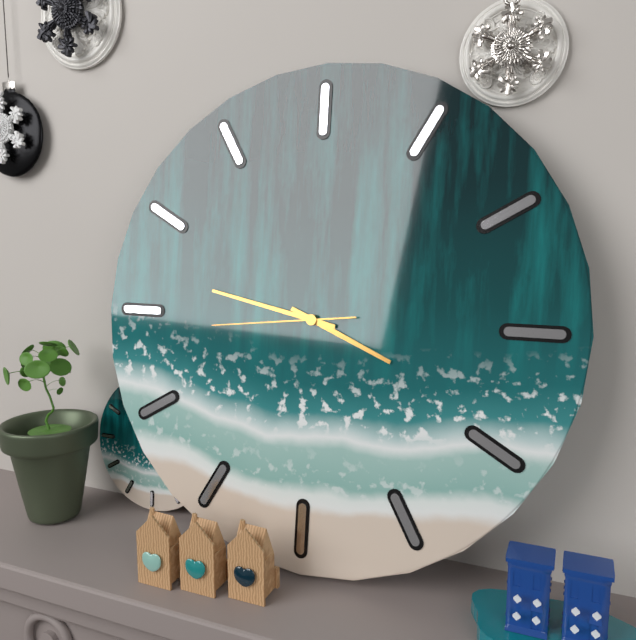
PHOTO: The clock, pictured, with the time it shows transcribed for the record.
3:47:44
